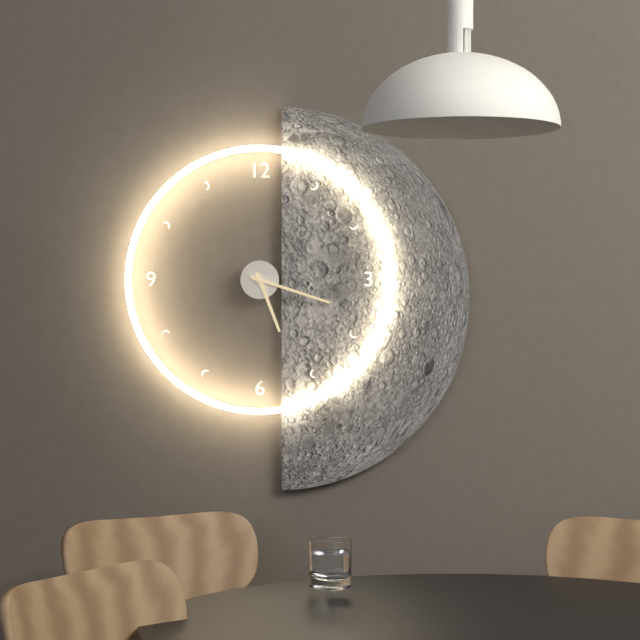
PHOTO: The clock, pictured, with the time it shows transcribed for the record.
5:18
